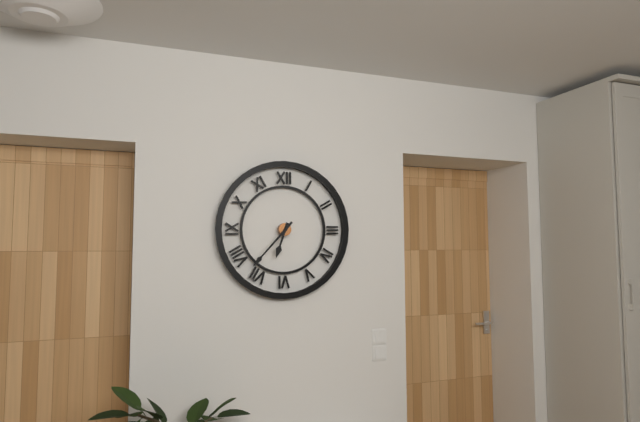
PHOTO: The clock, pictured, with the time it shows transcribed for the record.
6:37
